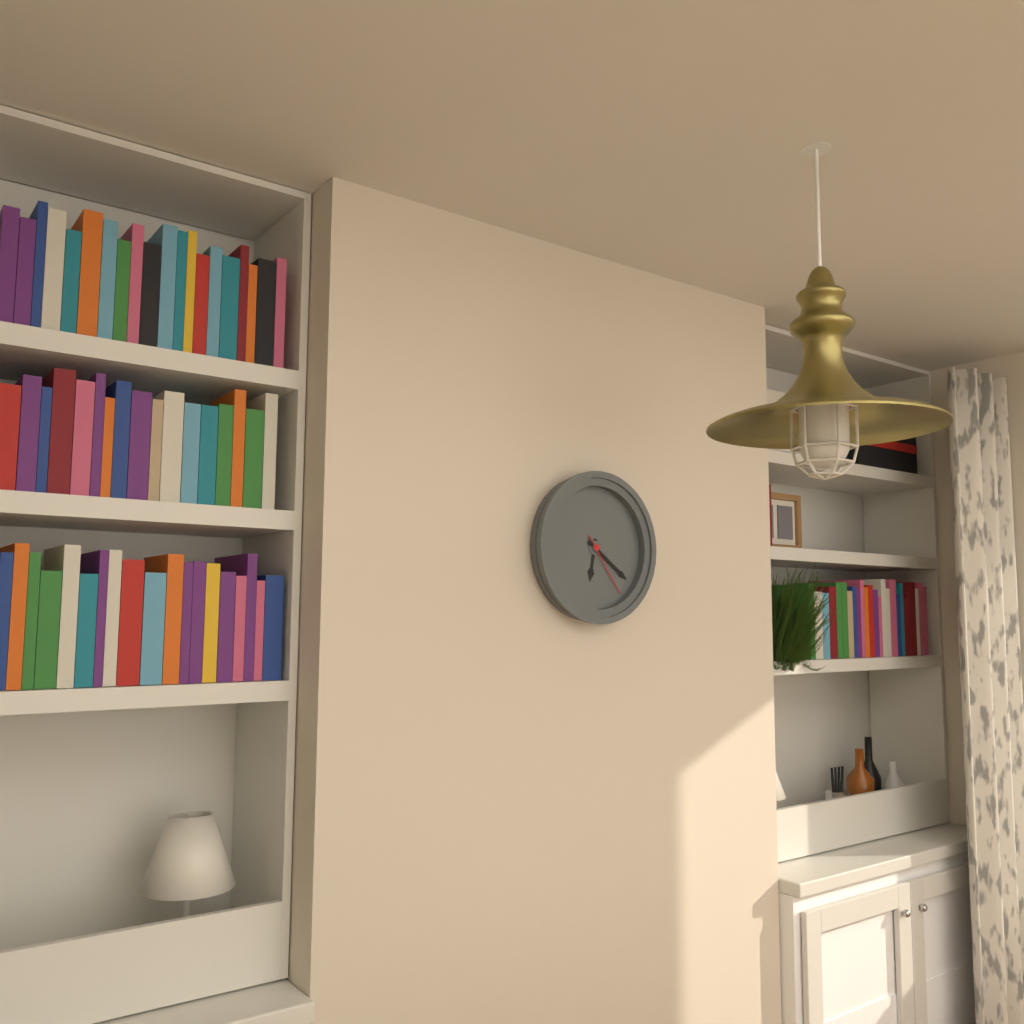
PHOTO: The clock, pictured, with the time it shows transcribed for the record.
6:21:24
